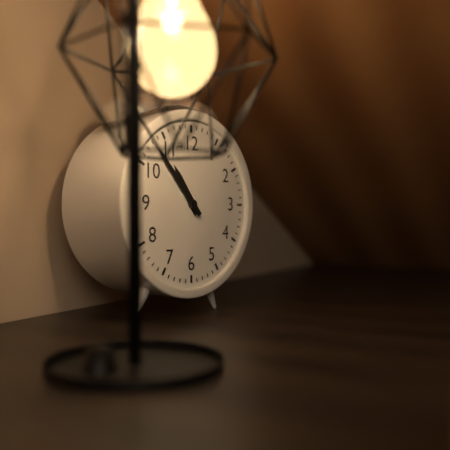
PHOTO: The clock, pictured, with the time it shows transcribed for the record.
10:53
